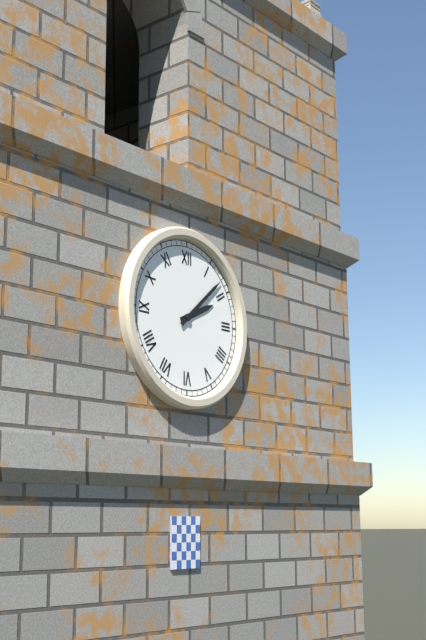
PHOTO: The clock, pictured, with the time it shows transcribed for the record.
2:08
